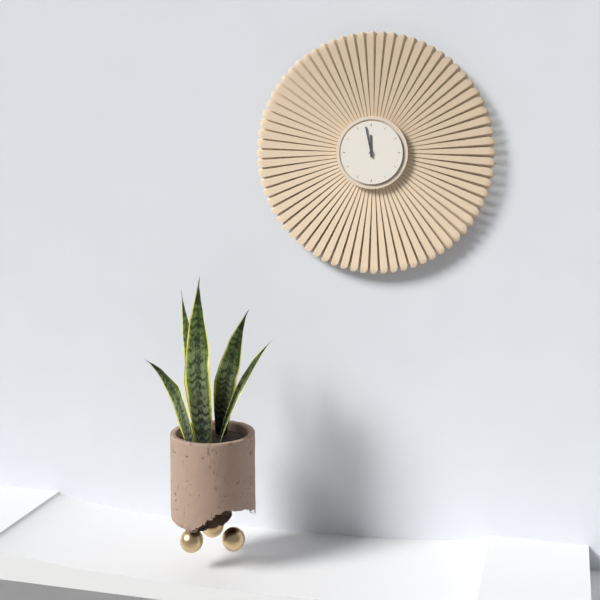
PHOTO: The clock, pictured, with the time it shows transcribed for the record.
11:58
